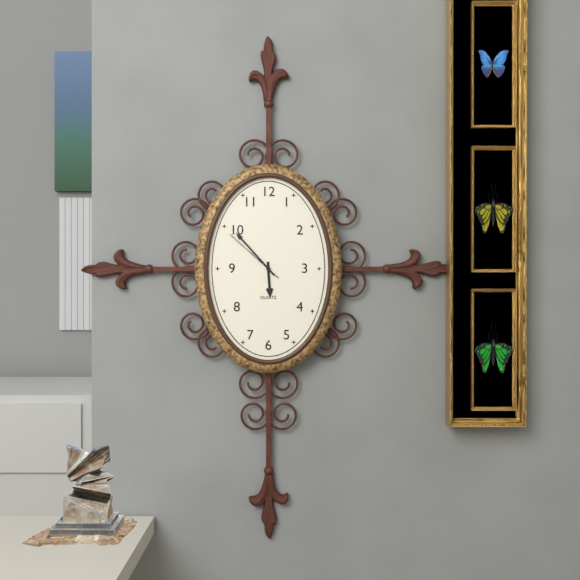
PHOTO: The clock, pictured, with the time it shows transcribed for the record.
5:53:52
